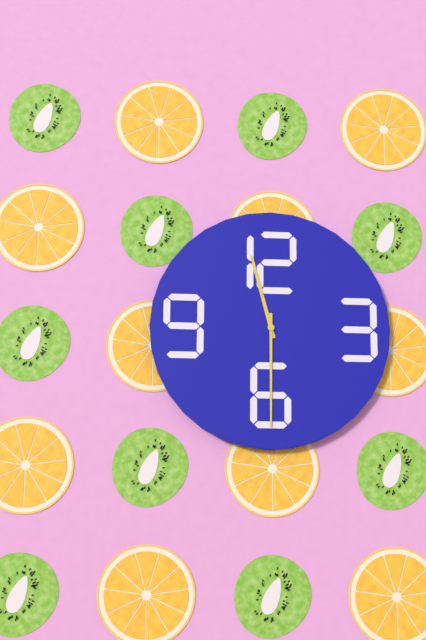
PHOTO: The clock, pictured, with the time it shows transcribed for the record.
11:30
